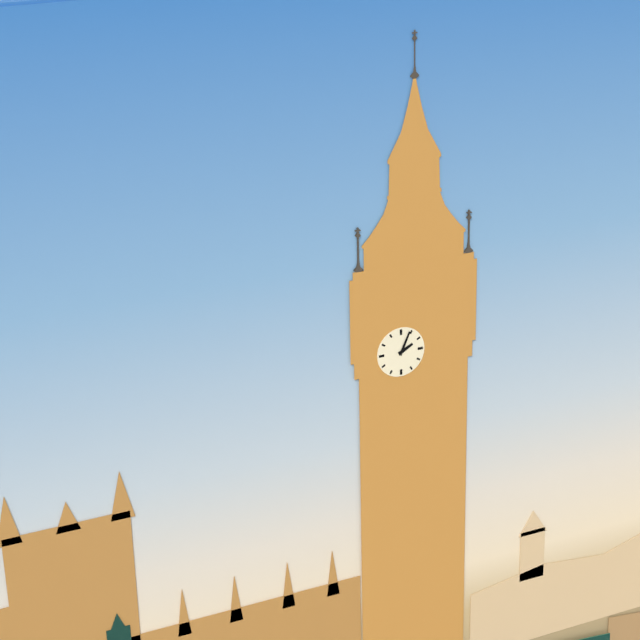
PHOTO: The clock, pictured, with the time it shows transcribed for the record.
2:04
